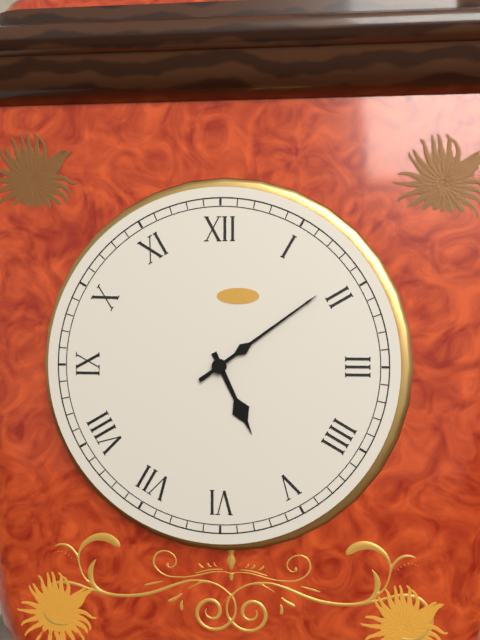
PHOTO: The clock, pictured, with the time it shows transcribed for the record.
5:09
